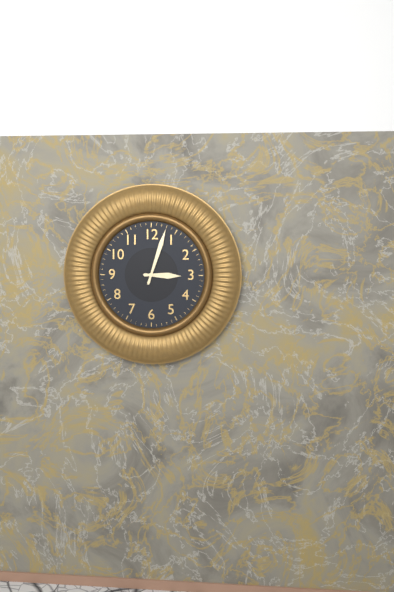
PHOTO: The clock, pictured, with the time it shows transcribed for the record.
3:03
